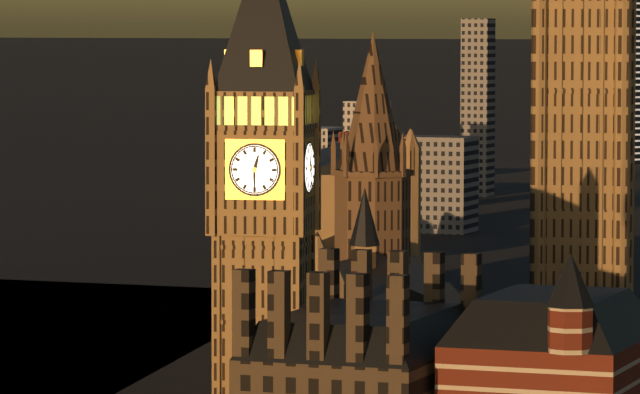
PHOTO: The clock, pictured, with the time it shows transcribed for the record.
12:30
